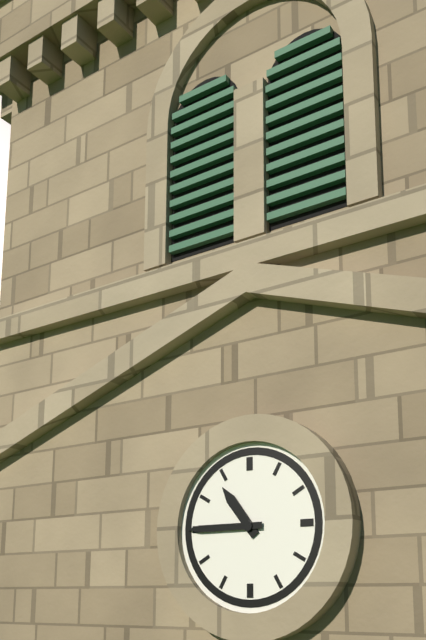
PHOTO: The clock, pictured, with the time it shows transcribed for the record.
10:45
